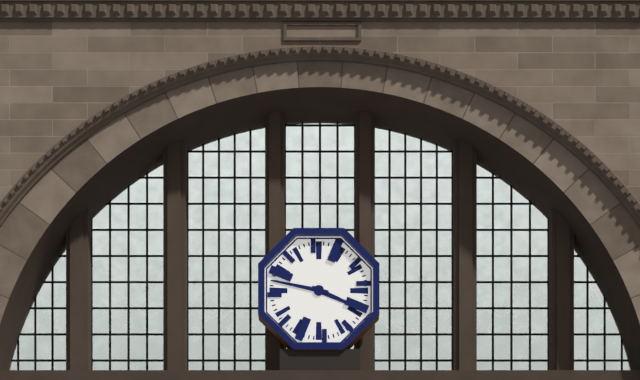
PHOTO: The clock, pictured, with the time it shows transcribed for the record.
3:47
